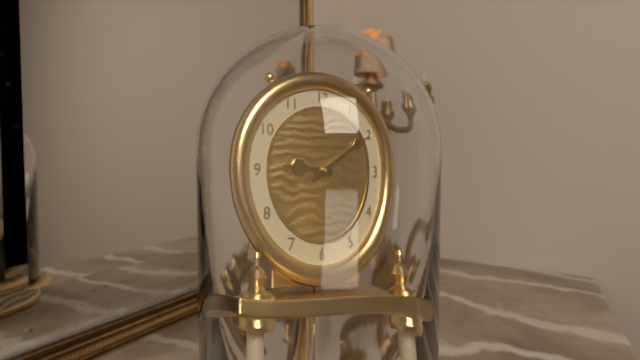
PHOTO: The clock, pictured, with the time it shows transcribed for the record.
9:10
